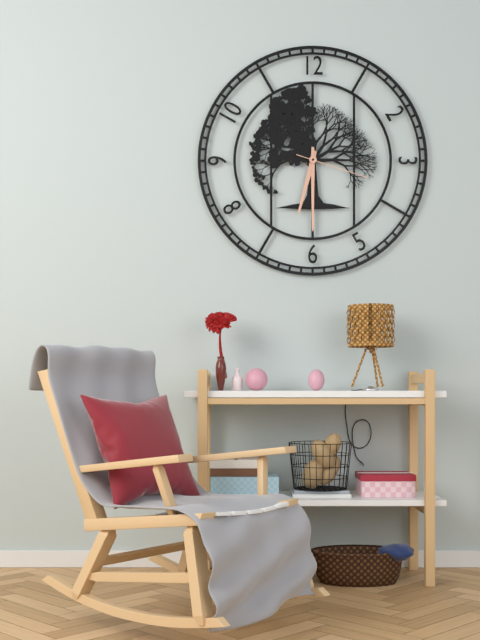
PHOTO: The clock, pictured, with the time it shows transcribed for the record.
6:30:18
